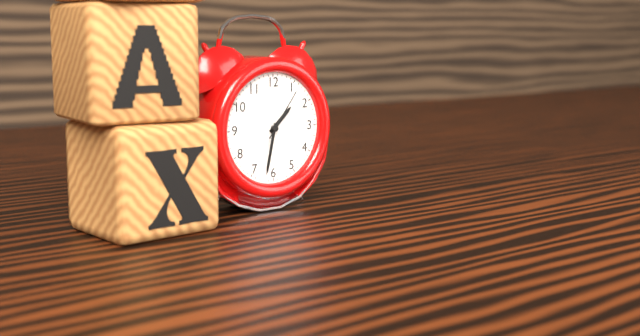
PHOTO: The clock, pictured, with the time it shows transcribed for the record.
1:32:06
